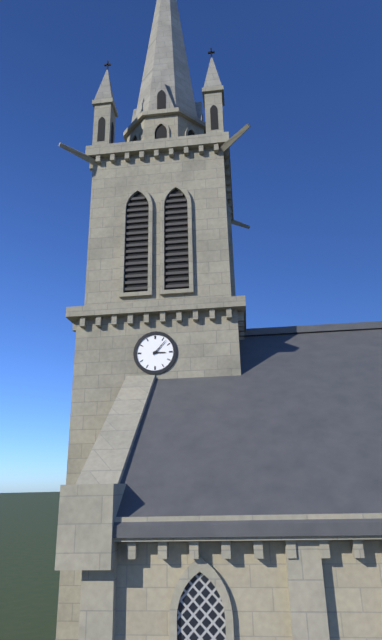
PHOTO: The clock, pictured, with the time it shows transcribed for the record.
3:07
